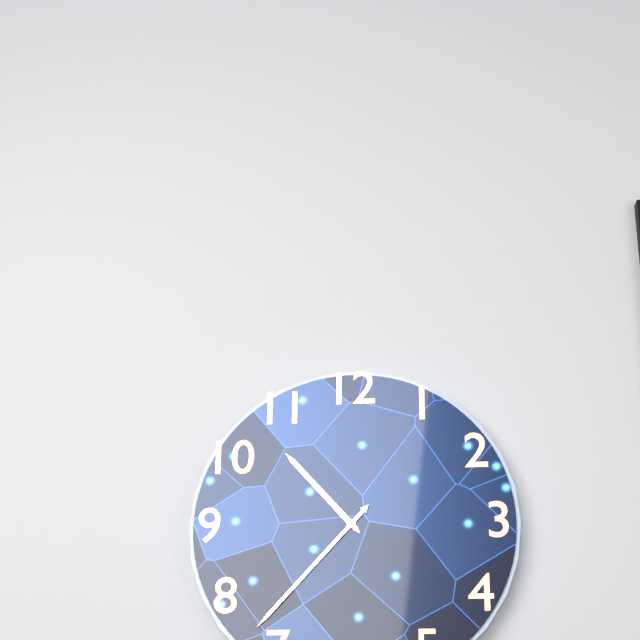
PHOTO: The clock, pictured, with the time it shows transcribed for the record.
10:37
